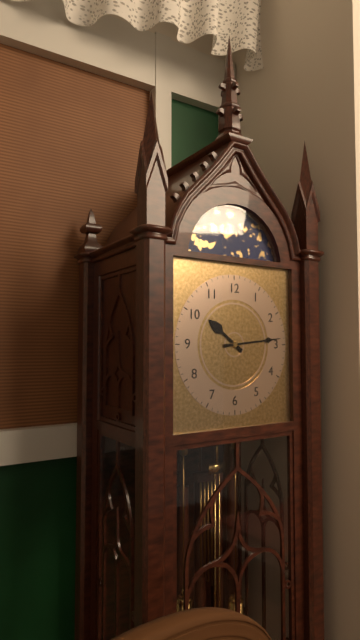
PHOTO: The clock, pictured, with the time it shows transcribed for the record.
10:14
